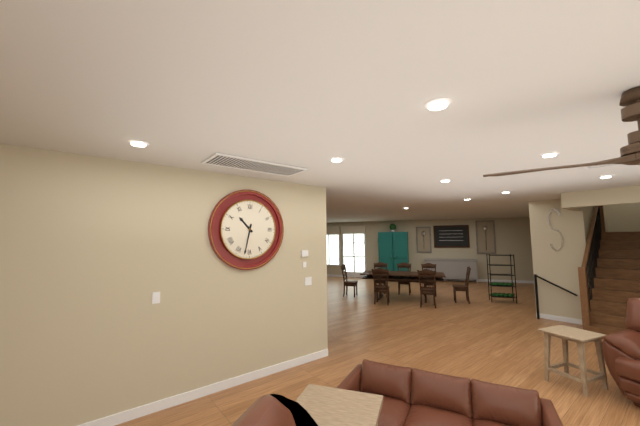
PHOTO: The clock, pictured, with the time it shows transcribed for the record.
10:32
